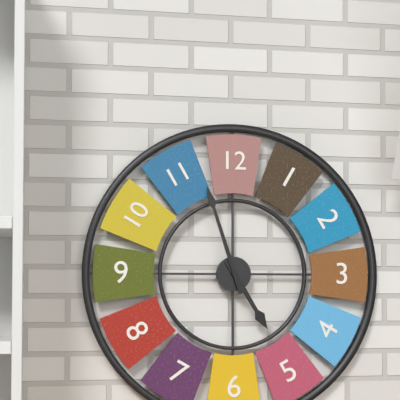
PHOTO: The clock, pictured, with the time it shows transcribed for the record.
4:57
